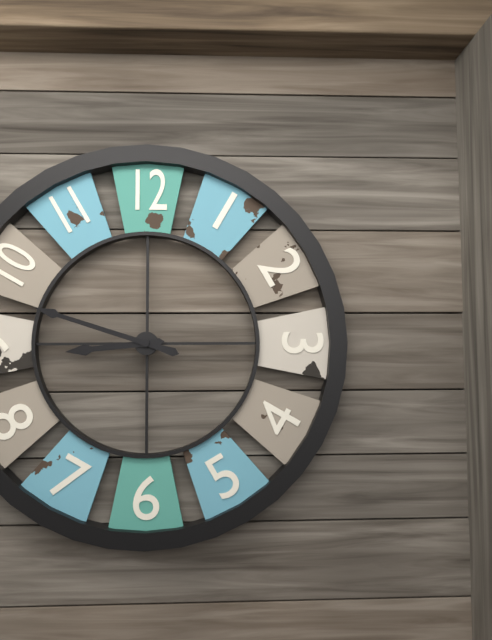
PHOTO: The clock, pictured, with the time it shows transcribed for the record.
8:48
